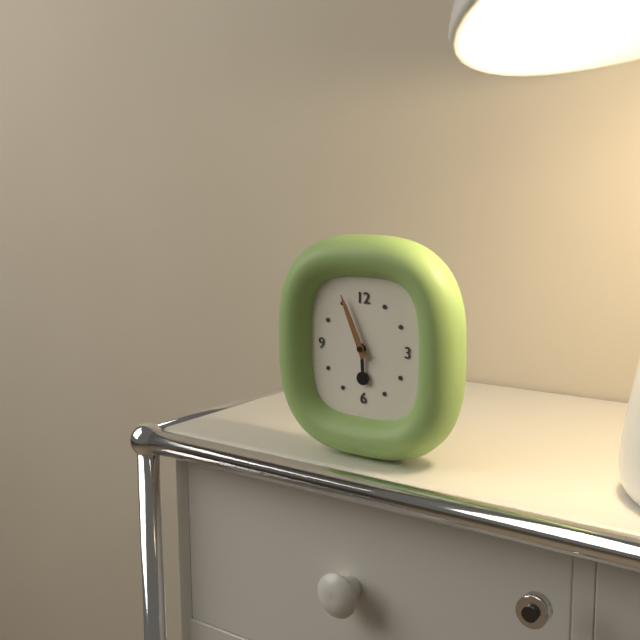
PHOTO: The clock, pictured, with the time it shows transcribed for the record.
5:56
